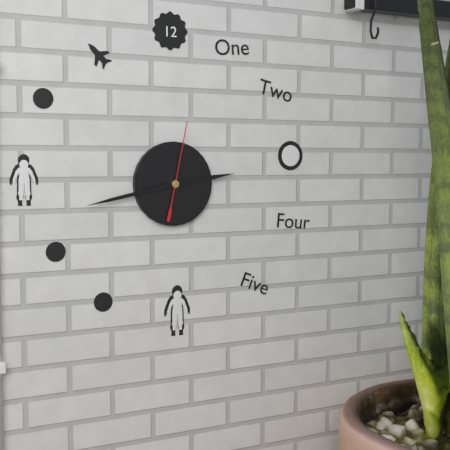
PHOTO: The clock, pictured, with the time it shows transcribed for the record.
2:43:02
